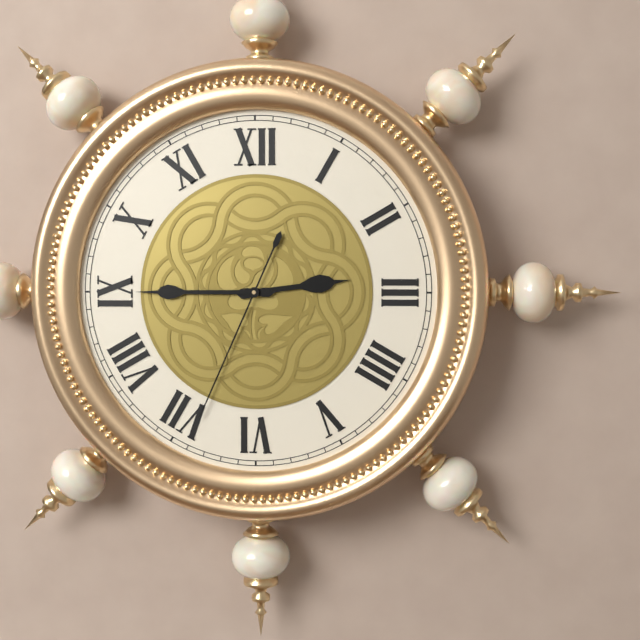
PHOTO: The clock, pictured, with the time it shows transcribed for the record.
2:45:34
